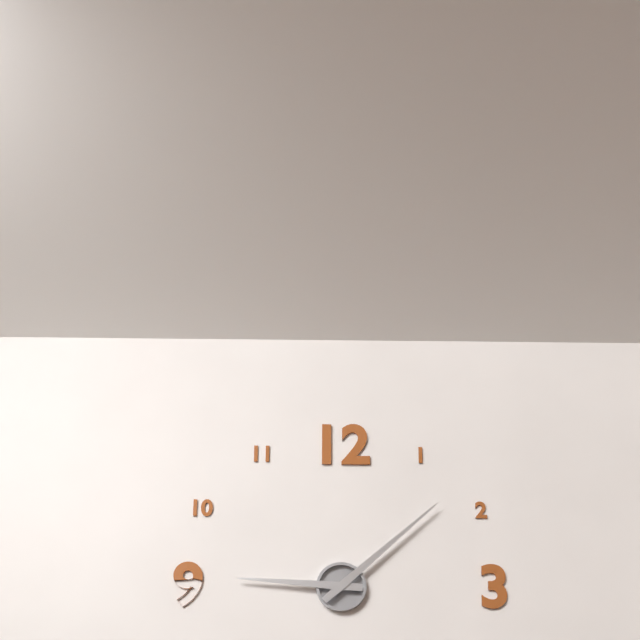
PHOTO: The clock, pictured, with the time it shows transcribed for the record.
9:08
